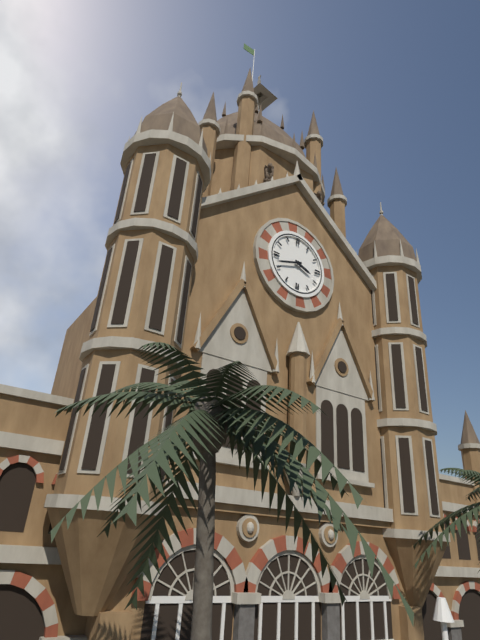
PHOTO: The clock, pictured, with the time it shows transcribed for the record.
3:42
